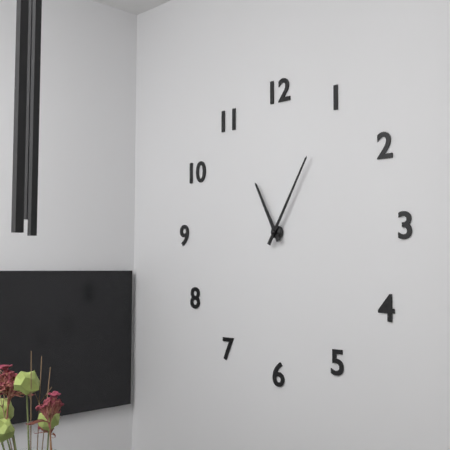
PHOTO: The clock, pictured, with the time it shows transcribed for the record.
11:05
